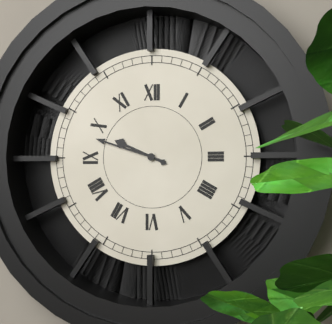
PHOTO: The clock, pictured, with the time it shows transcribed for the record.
9:48
